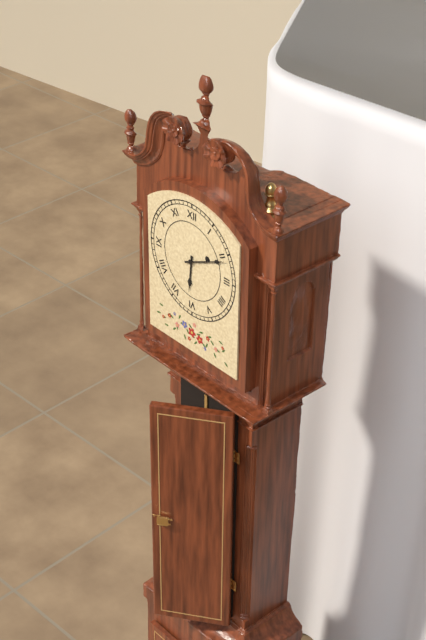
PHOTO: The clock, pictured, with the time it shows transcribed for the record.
6:11
